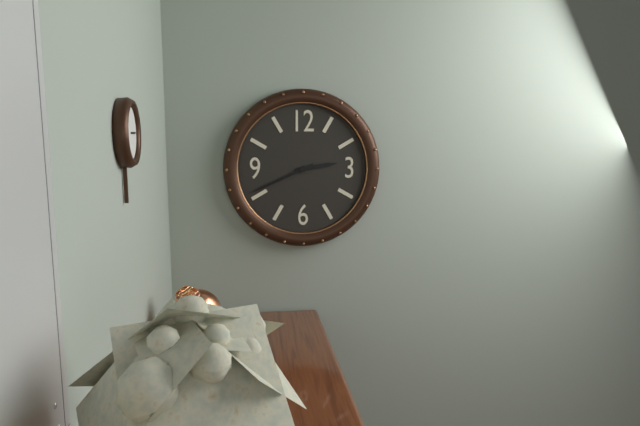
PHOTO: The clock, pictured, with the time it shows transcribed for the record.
2:41
